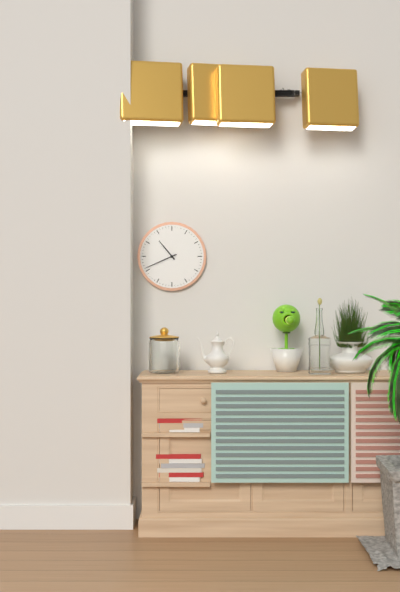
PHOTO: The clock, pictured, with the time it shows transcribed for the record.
10:41
